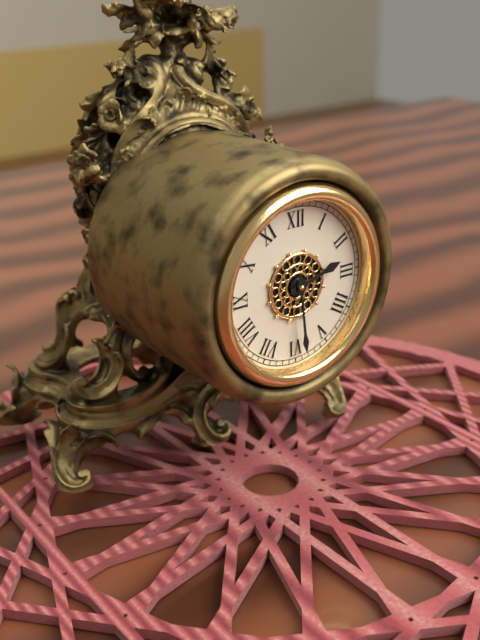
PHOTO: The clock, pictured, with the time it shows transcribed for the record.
2:29
